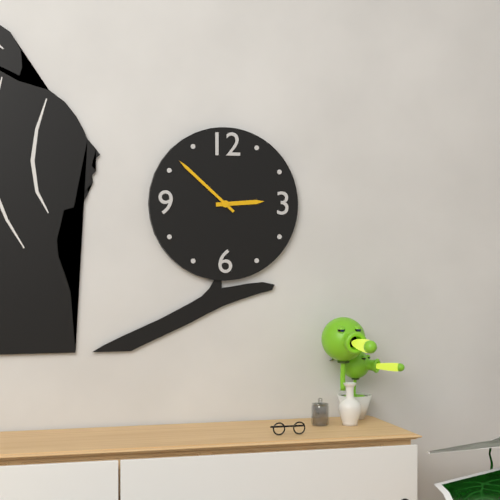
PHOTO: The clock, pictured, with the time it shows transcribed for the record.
2:52
